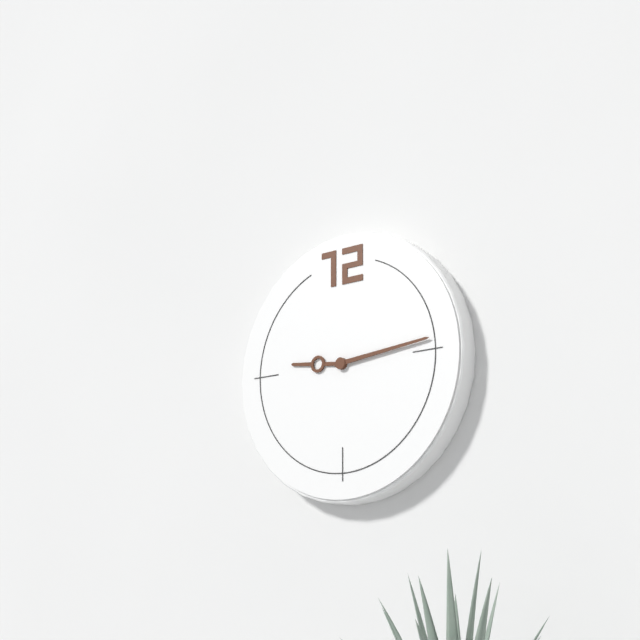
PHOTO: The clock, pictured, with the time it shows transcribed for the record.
9:14
